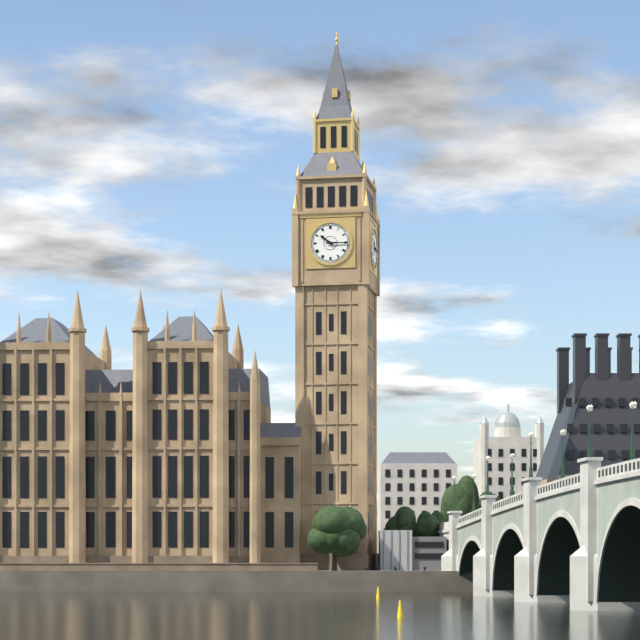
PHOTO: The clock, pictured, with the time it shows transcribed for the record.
10:15
